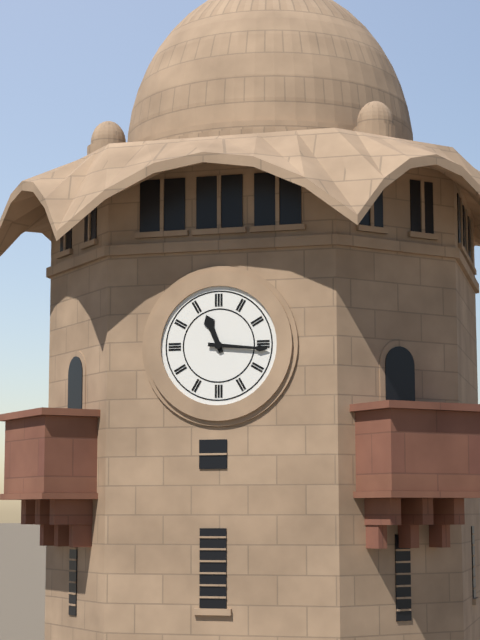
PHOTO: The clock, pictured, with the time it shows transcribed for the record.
11:16
